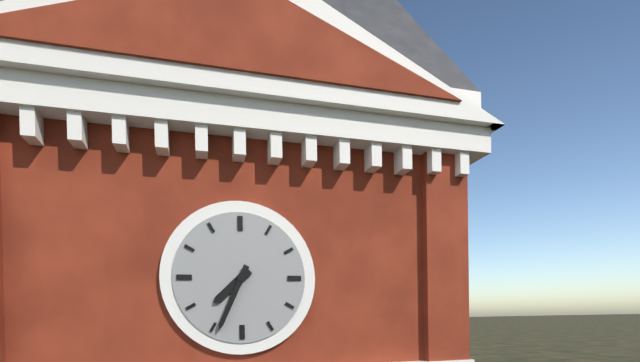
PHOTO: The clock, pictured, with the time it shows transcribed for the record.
7:34
